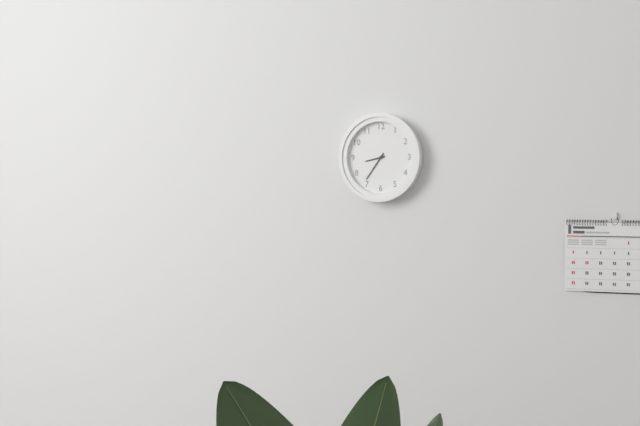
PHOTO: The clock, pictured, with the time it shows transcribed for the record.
8:36
